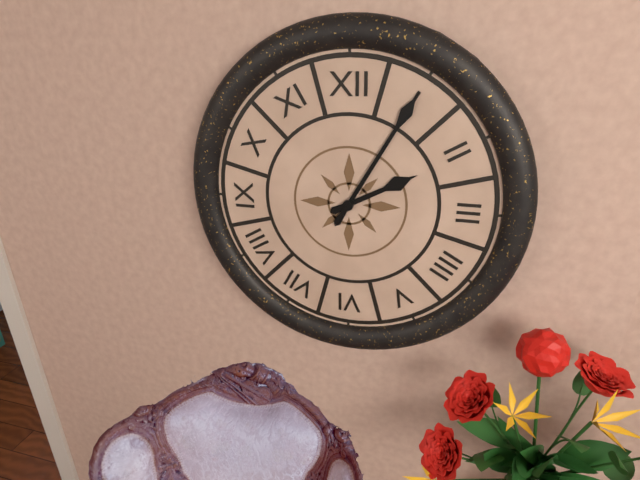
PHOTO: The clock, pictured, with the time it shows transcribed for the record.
2:05
